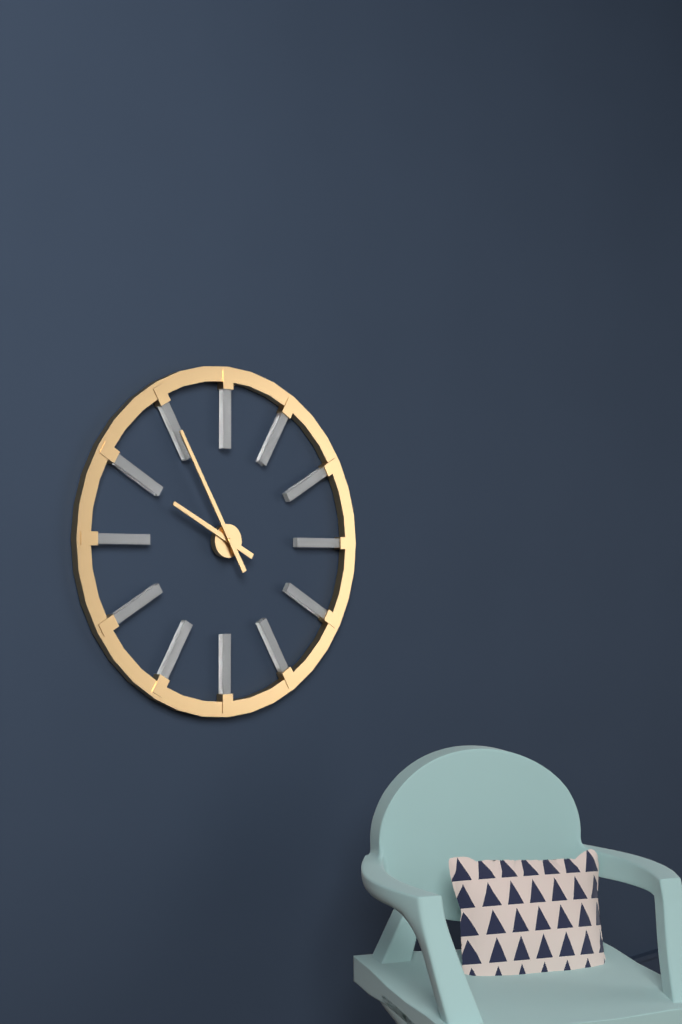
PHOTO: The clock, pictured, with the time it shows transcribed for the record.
9:55
